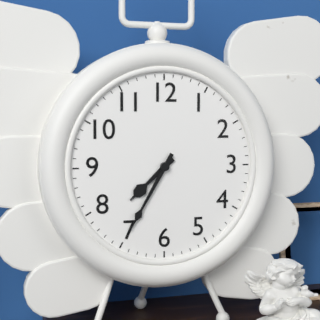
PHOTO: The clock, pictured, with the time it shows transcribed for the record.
7:35
